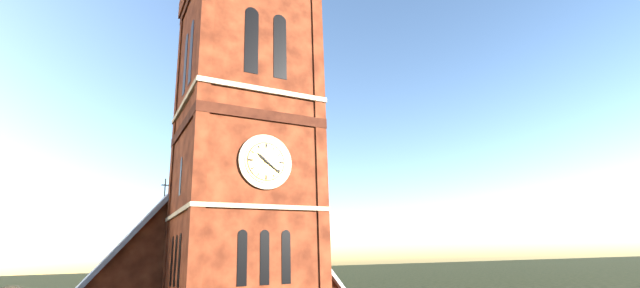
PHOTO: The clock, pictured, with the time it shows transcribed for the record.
10:21
